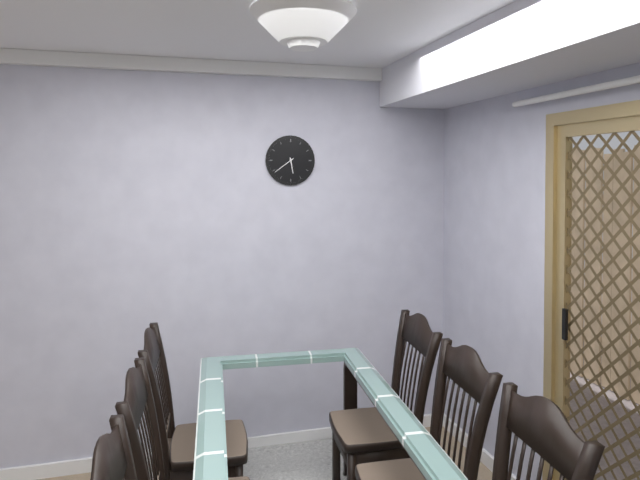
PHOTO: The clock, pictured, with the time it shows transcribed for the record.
5:39
